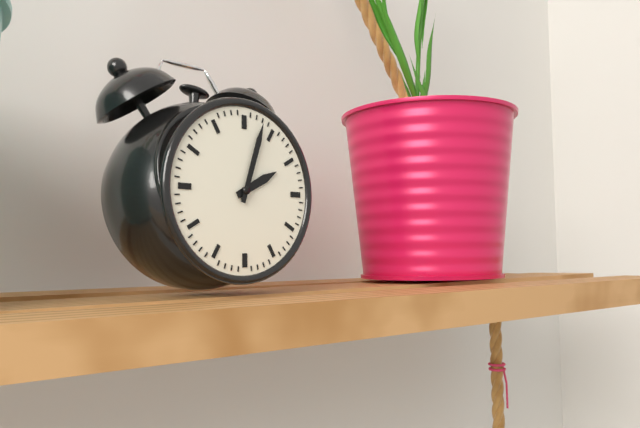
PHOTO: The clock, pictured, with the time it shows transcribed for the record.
2:03
